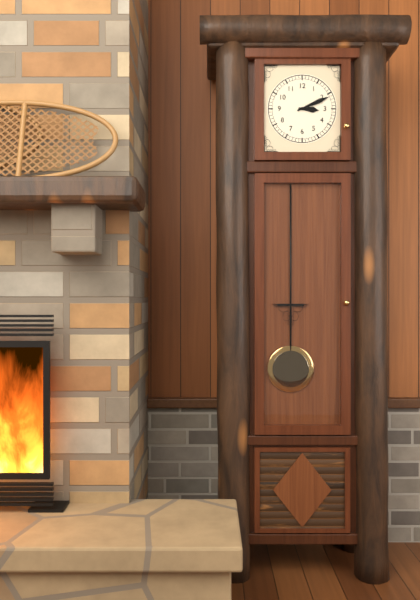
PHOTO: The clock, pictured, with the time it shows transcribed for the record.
3:11
